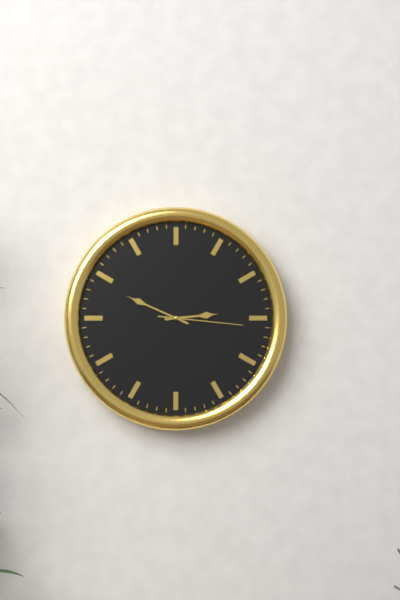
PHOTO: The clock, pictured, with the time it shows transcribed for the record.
2:49:16
